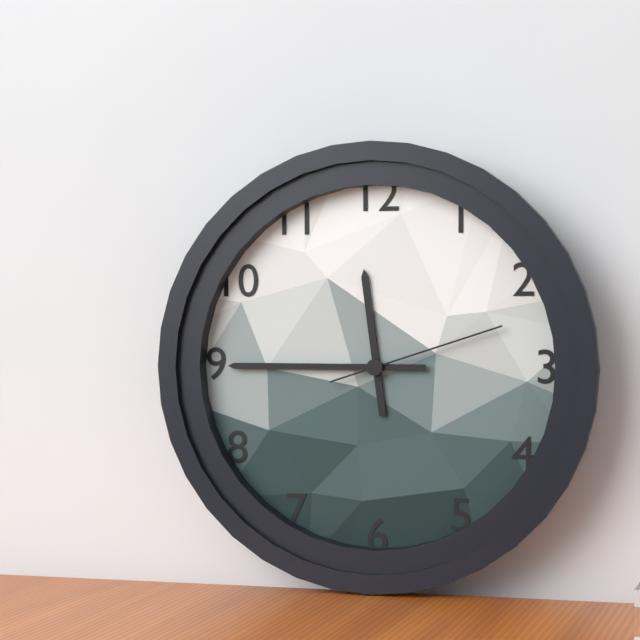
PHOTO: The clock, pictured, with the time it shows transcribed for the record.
11:45:12
